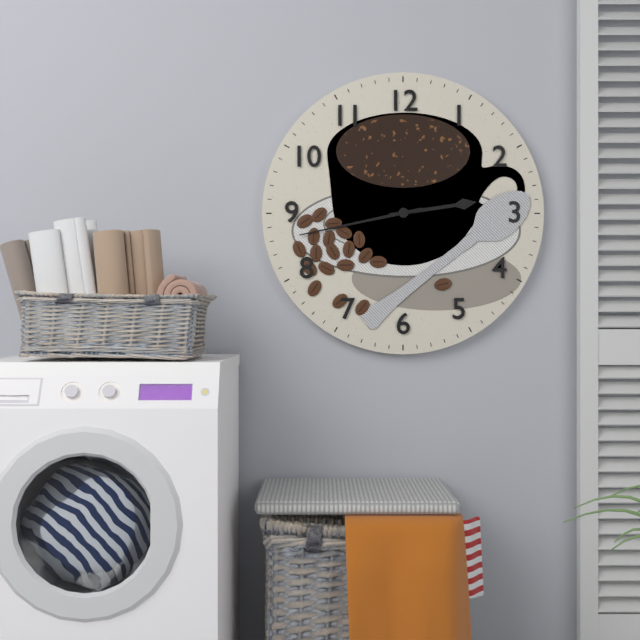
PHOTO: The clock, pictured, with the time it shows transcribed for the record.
2:43
